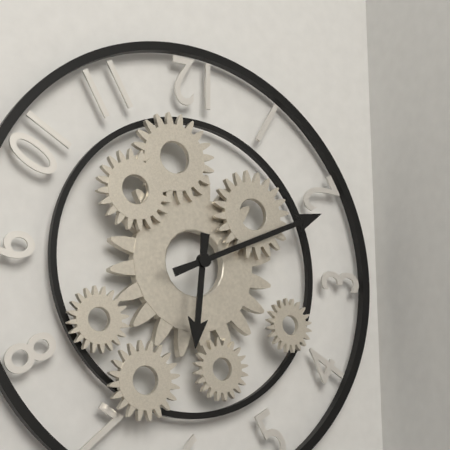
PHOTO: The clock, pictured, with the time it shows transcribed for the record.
6:11
